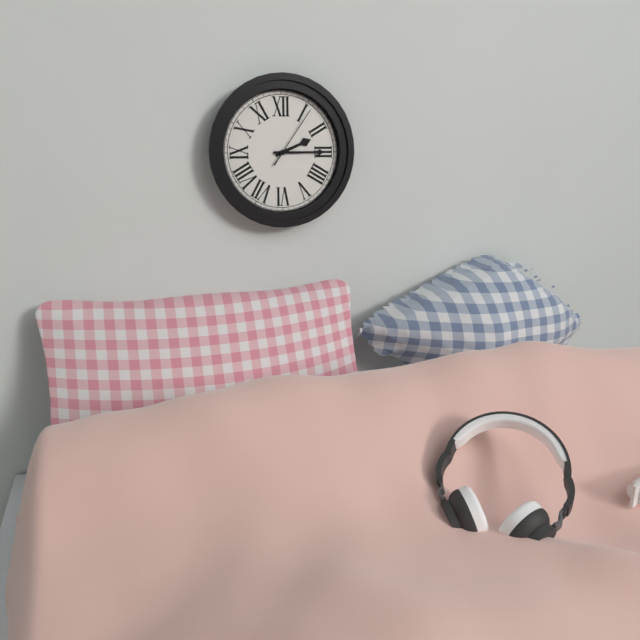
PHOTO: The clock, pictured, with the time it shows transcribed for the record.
2:15:06
